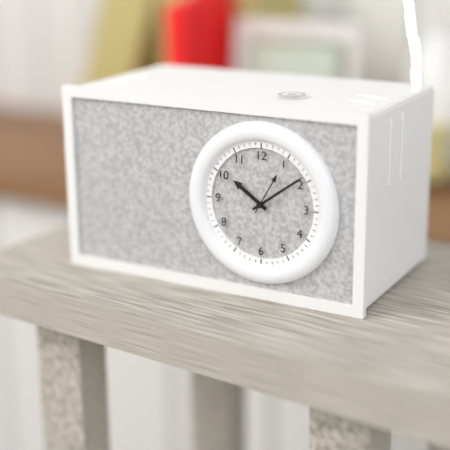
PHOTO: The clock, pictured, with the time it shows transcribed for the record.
10:09
